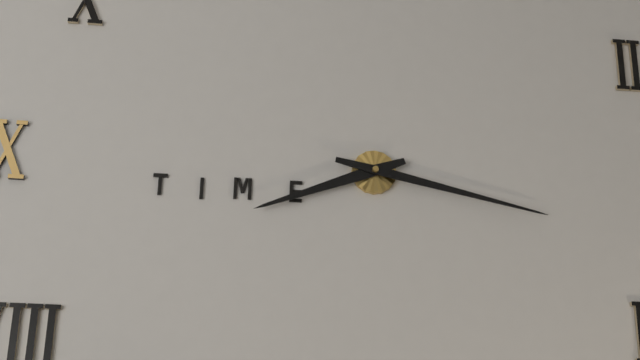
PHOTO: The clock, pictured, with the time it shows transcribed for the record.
8:17
